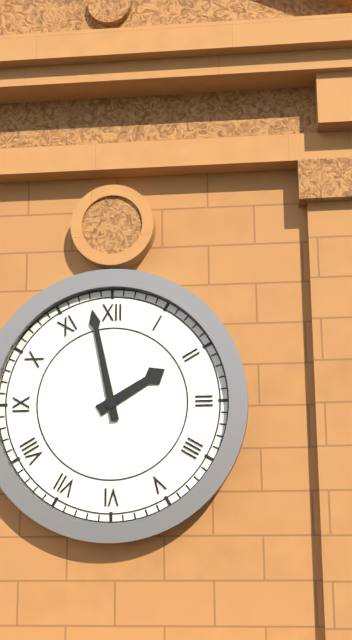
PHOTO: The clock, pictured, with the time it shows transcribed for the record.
1:58
